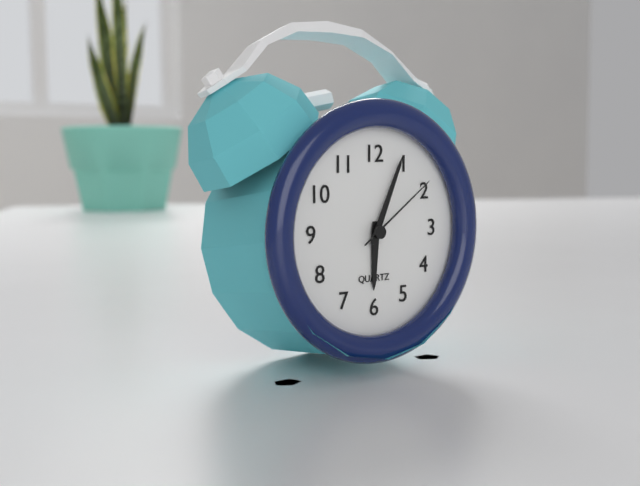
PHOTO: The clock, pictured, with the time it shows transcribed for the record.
6:04:09
